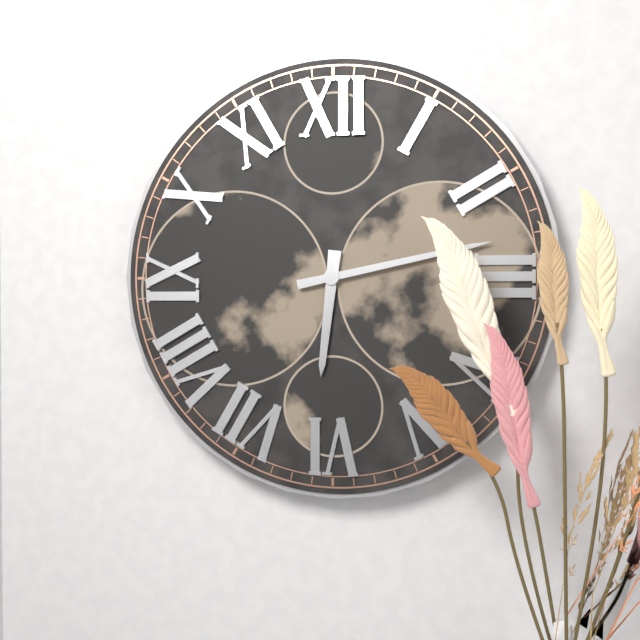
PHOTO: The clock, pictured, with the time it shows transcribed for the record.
6:13
